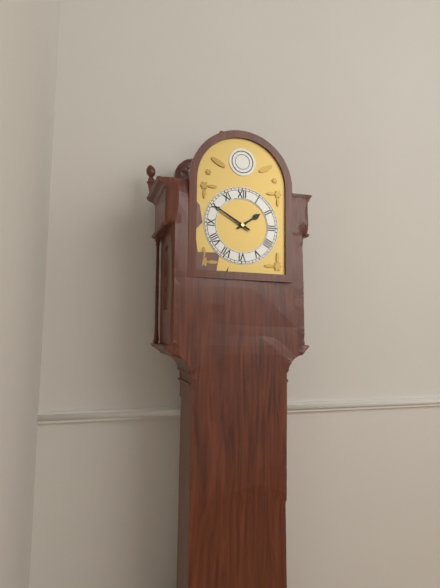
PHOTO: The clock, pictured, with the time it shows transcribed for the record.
1:50
